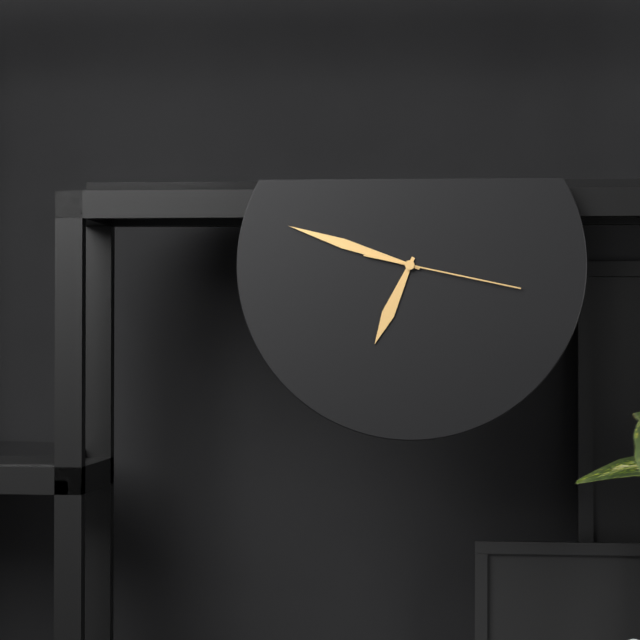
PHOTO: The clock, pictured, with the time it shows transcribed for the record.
6:48:17
